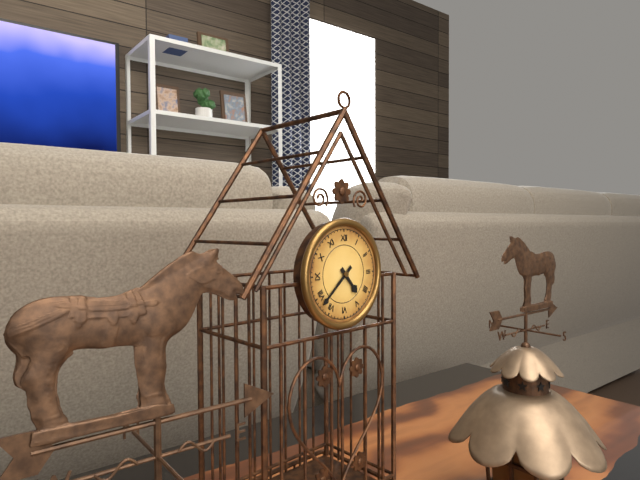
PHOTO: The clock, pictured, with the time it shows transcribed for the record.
4:38
